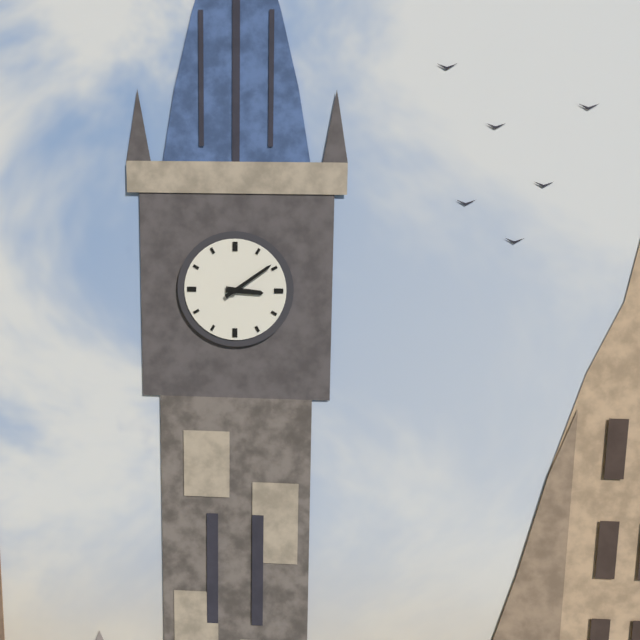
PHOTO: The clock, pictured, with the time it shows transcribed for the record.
3:09
